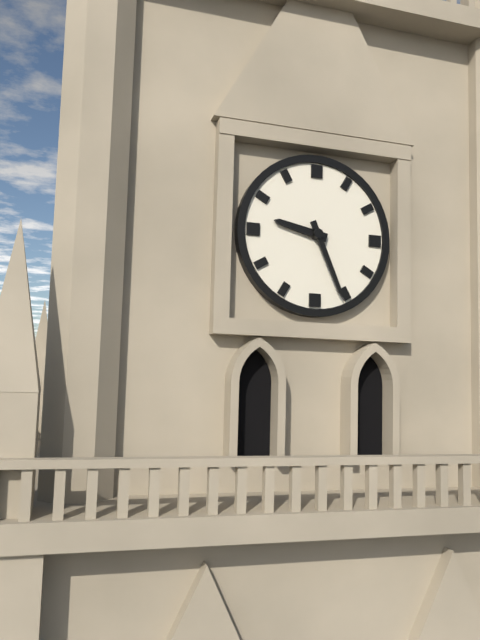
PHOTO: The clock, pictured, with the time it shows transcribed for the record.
9:26
